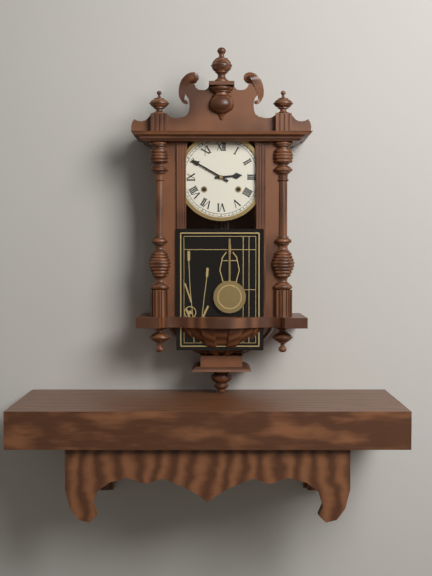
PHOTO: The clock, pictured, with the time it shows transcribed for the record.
2:50
